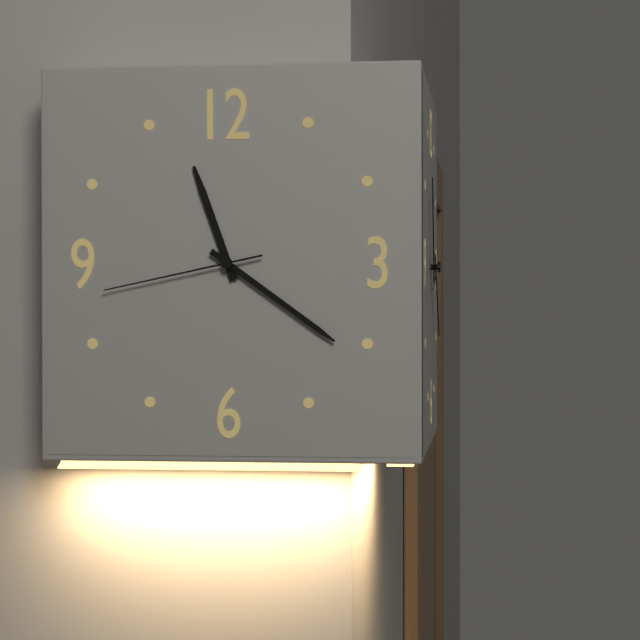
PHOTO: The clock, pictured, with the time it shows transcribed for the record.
11:21:43
